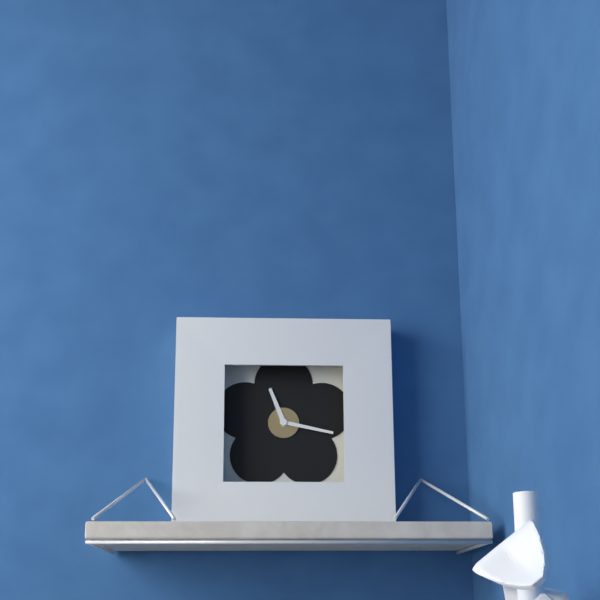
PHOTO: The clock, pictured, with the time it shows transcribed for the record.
11:17
